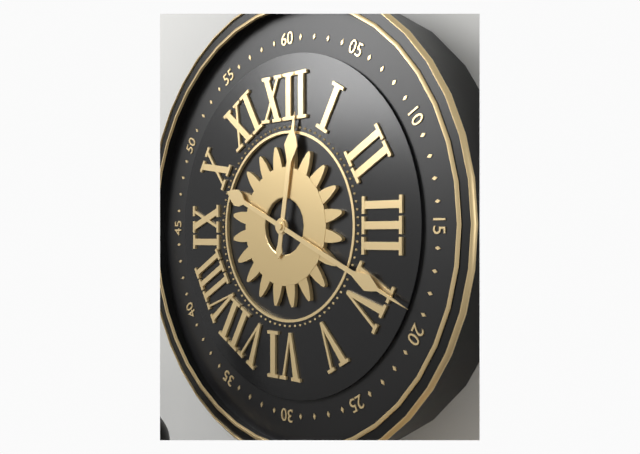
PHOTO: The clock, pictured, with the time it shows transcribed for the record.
12:19
